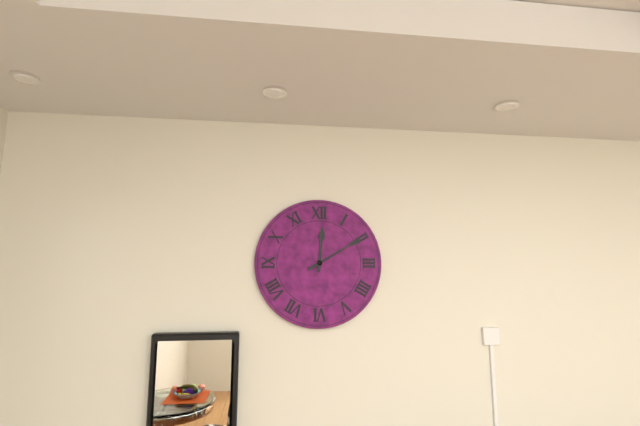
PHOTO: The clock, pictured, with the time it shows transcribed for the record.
12:10
